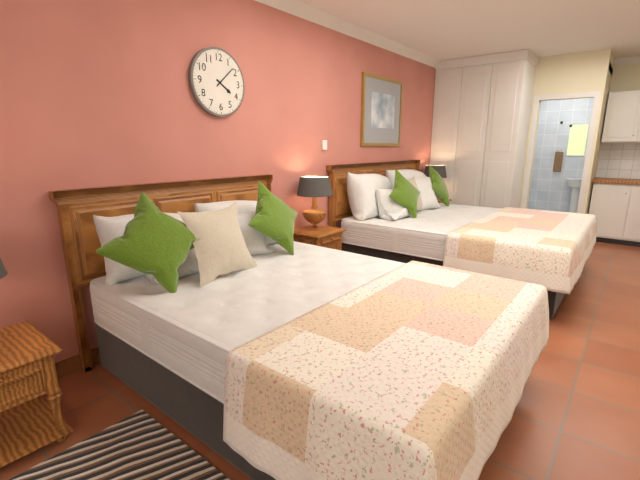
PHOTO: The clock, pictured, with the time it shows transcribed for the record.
4:08
